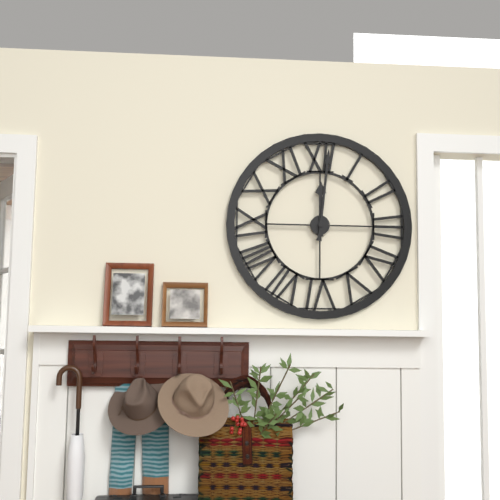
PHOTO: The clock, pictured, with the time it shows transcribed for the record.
12:01
